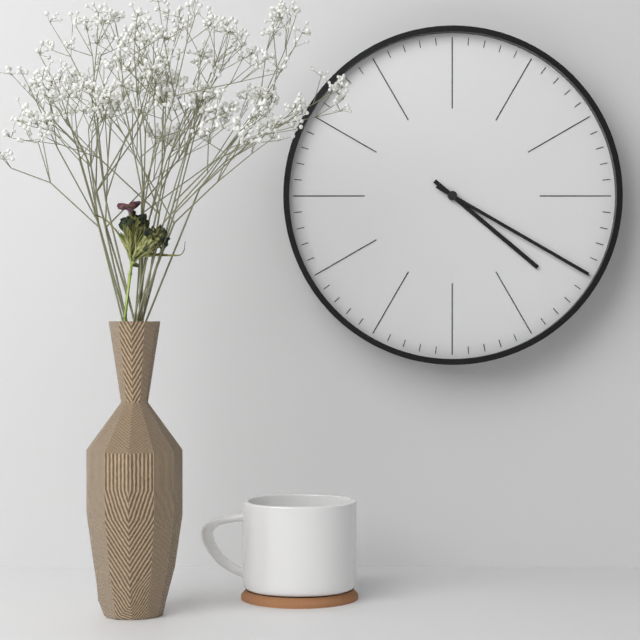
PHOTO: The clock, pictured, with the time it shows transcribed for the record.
4:20
